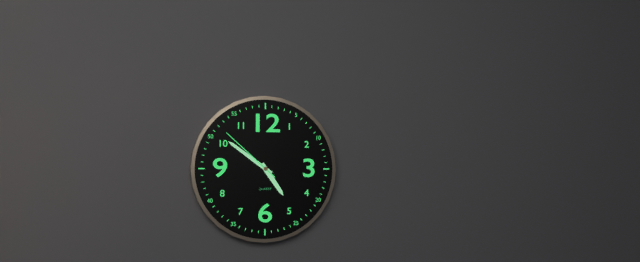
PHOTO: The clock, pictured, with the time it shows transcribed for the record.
4:51:52
